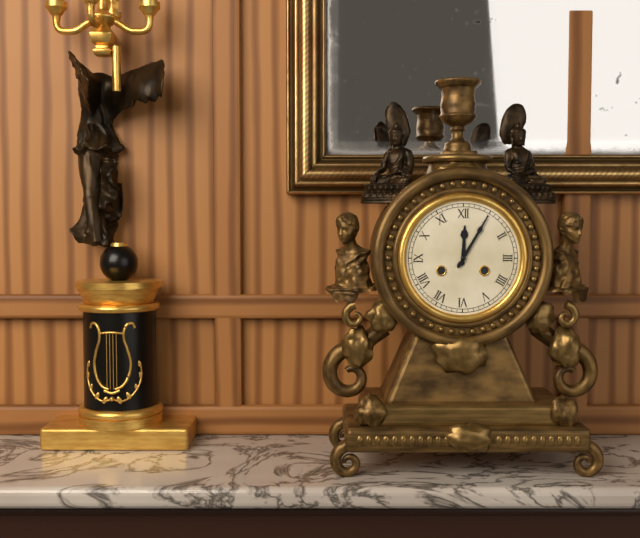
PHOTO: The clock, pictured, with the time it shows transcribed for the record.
12:05
